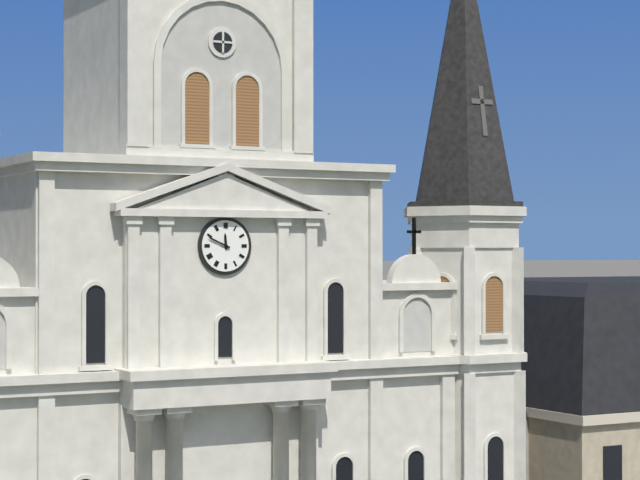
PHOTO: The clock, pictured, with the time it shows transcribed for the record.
11:49
